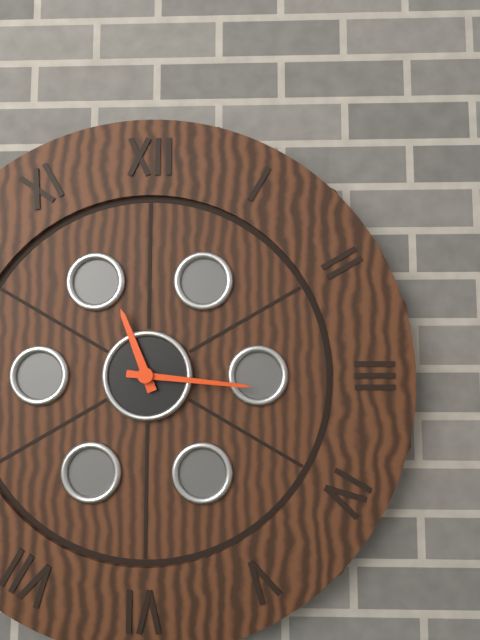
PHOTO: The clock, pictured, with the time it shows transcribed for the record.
11:16
